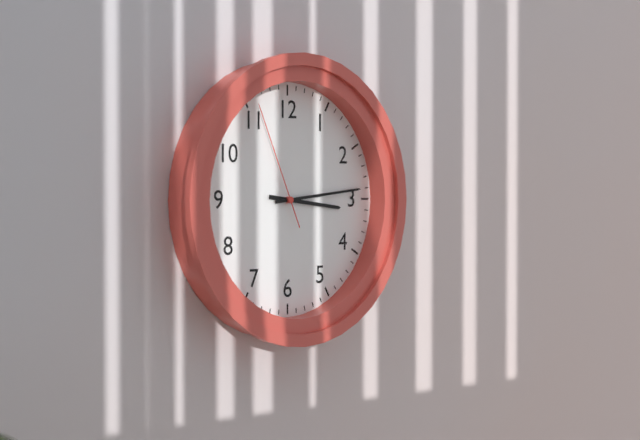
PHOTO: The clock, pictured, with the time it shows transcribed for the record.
3:14:56
